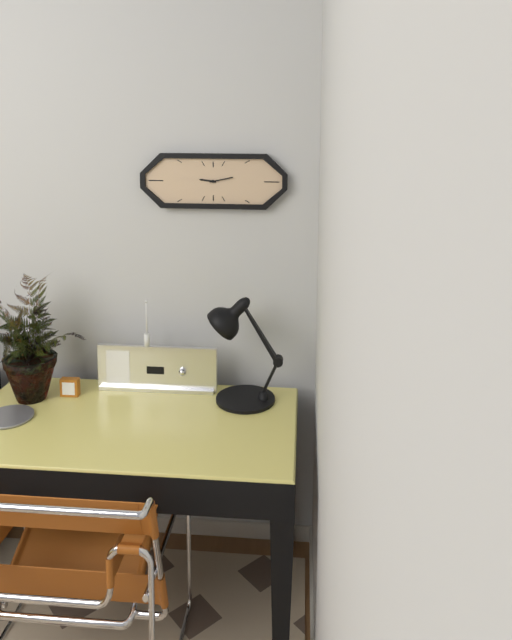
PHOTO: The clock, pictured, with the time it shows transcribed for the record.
9:13
